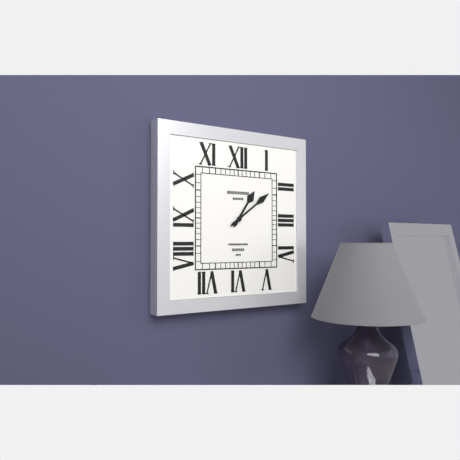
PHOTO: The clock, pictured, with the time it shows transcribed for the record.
1:09
